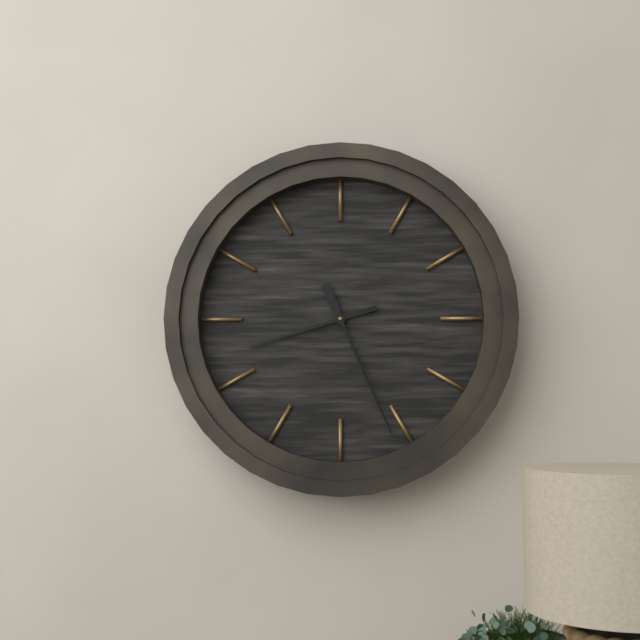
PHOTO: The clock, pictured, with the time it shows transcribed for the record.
8:26
